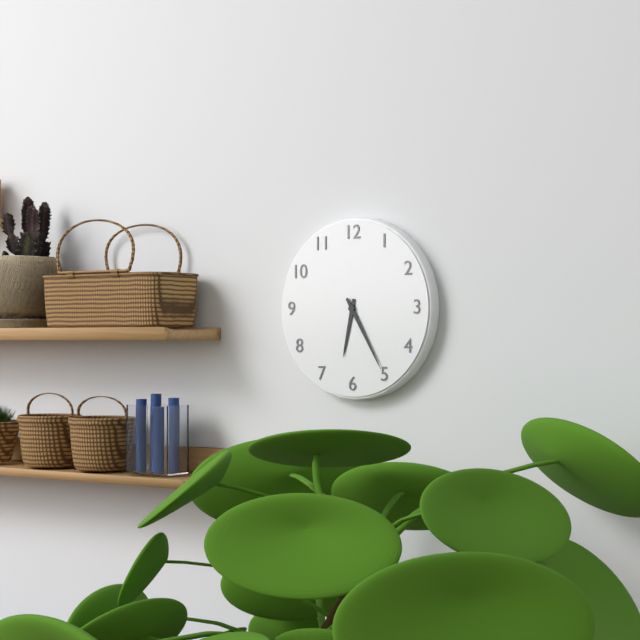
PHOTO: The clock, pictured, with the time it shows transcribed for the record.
6:25
